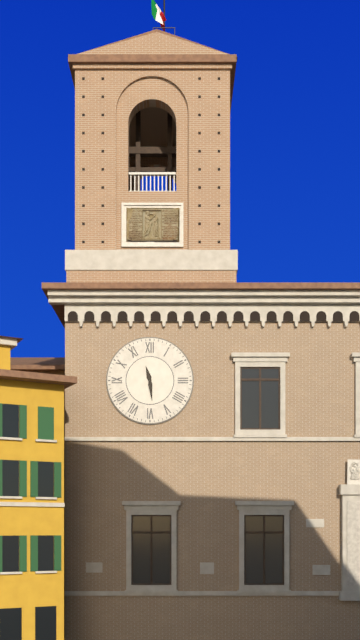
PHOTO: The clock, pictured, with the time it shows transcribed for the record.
11:29
